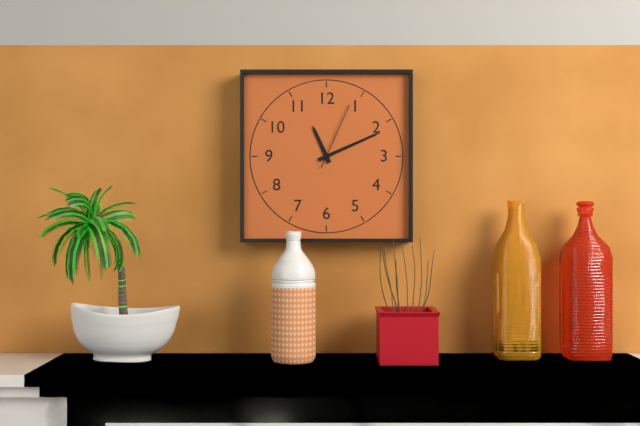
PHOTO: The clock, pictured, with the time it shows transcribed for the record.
11:11:04
